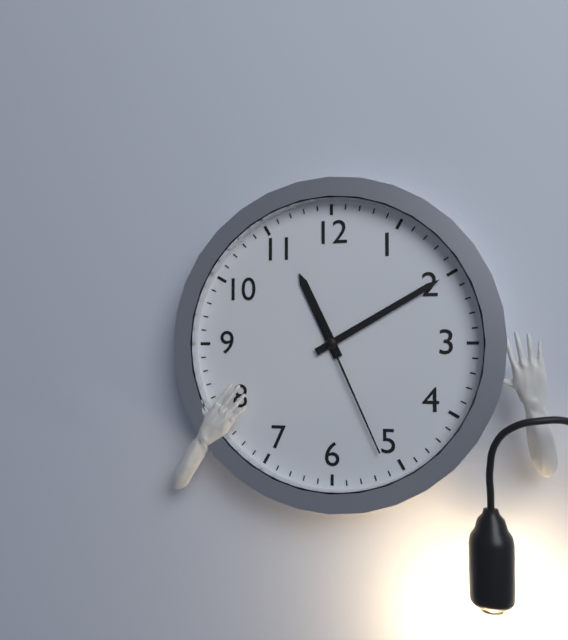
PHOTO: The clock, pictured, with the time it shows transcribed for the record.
11:10:26
